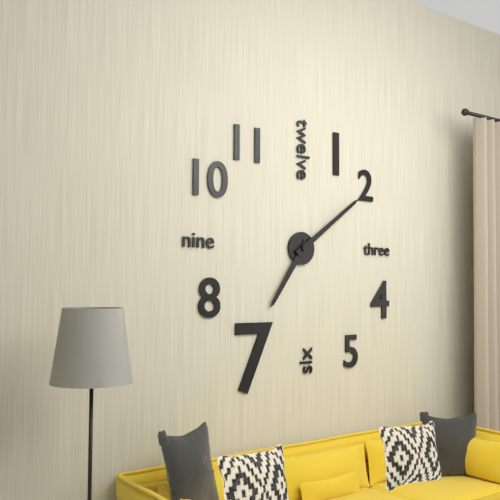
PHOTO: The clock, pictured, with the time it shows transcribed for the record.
7:09
